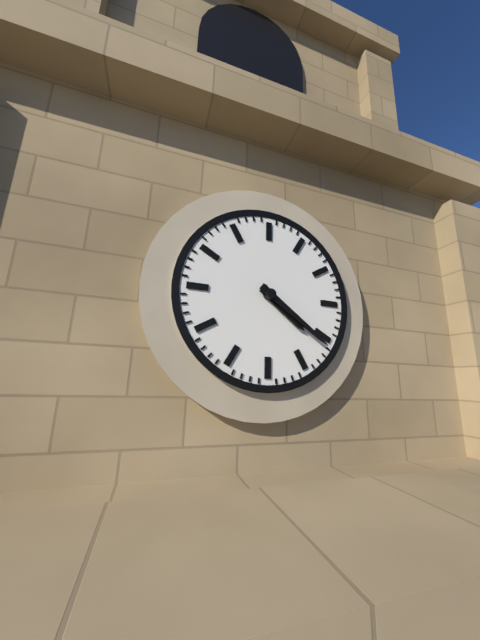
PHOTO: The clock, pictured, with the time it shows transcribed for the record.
4:21
